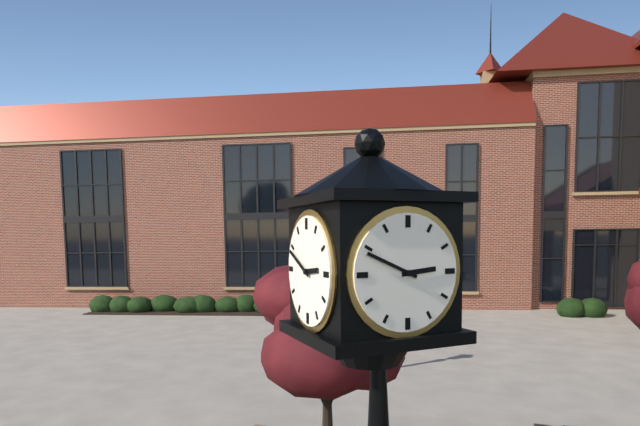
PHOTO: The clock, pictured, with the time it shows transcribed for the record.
2:49
